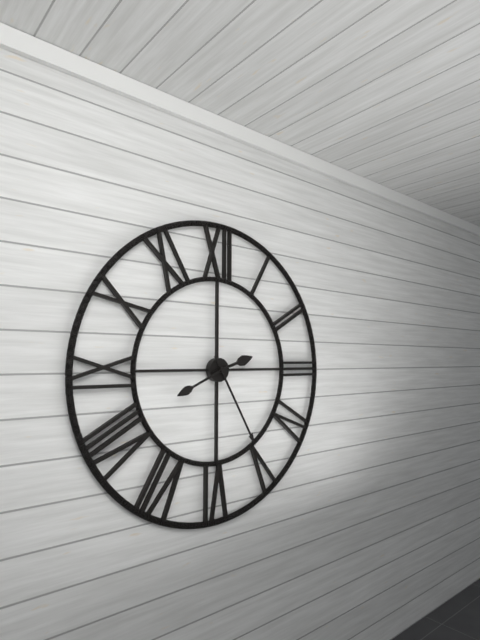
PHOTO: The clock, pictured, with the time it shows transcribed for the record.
2:25:41
